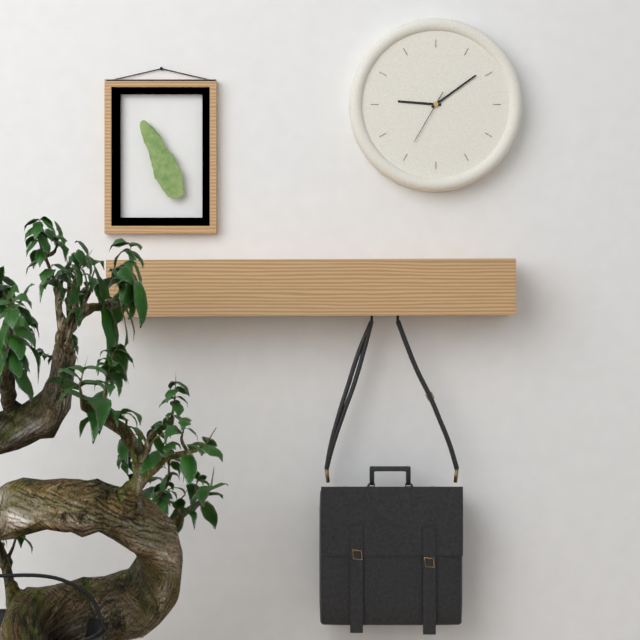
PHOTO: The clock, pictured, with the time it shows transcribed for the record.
9:09:35
